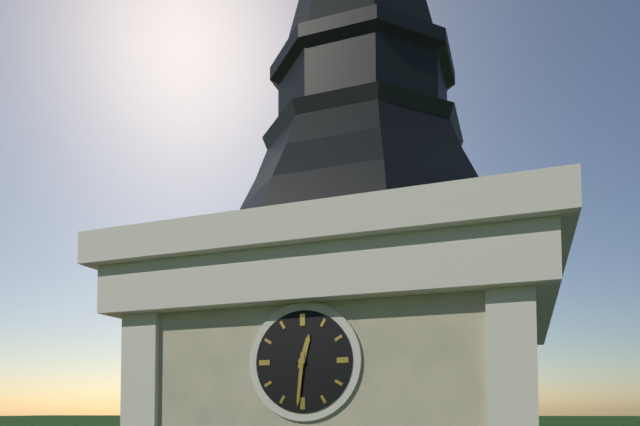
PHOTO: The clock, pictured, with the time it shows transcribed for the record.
12:31
